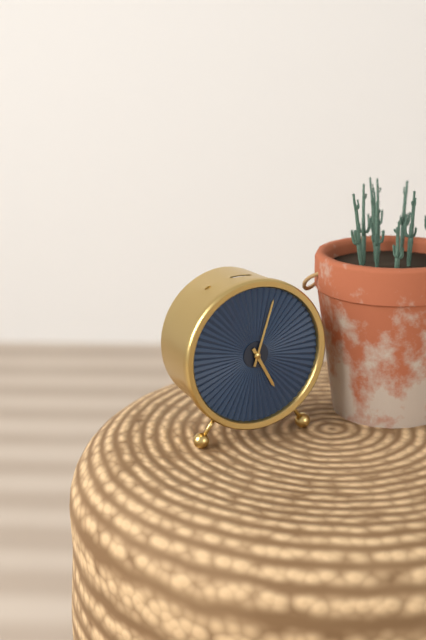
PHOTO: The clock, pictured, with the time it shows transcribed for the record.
5:03
